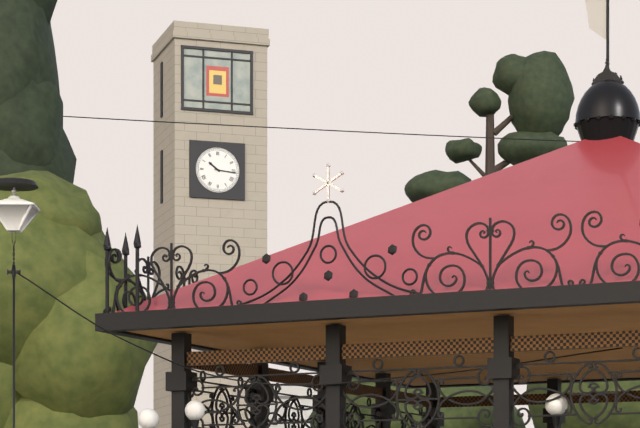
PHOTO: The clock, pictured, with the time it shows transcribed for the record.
10:16
